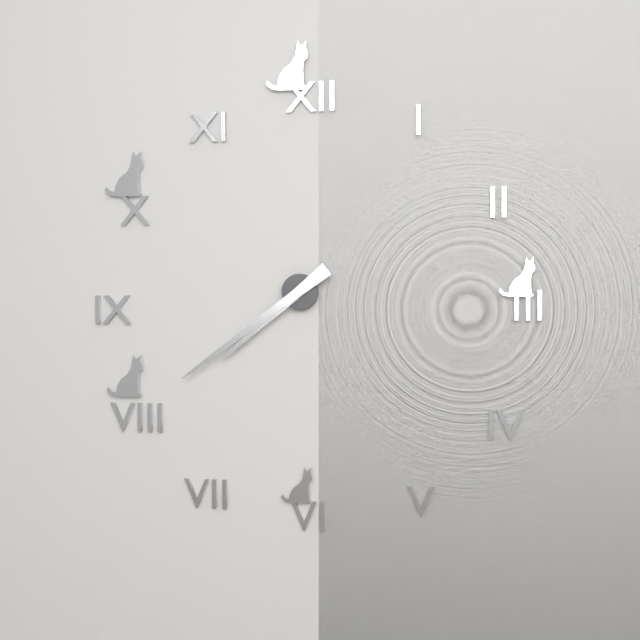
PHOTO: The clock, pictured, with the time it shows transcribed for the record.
7:39
